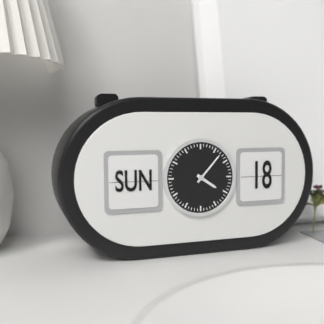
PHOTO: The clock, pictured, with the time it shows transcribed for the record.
4:07
